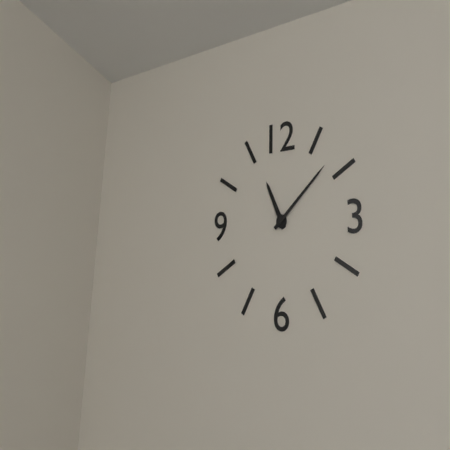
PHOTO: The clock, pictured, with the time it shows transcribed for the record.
11:08
